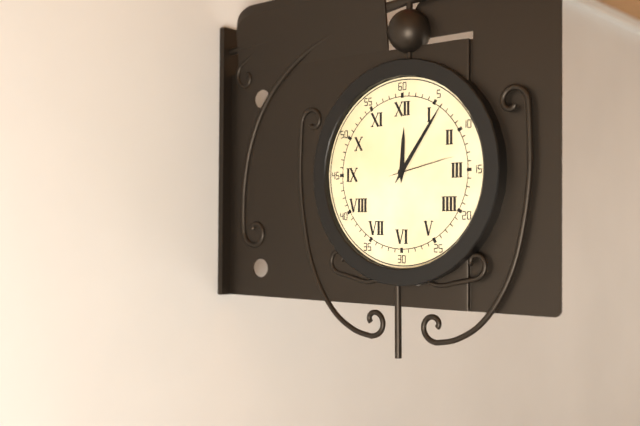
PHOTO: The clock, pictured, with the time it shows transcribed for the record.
12:06:13
